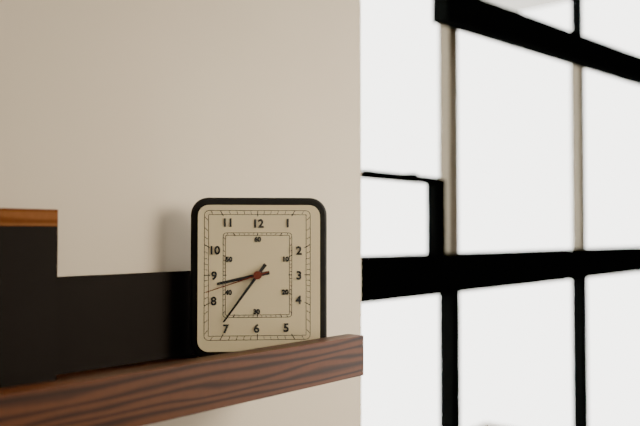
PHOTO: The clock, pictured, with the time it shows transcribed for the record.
8:36:42
